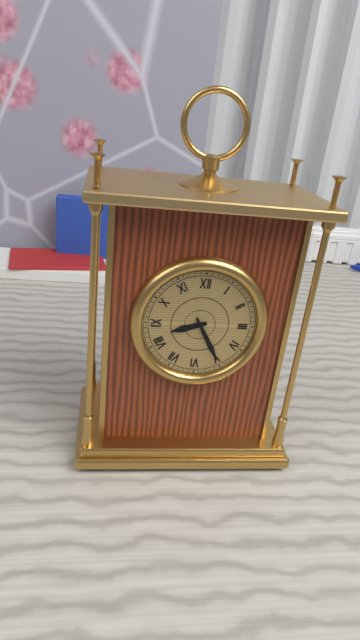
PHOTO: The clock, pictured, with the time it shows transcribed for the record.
8:25
